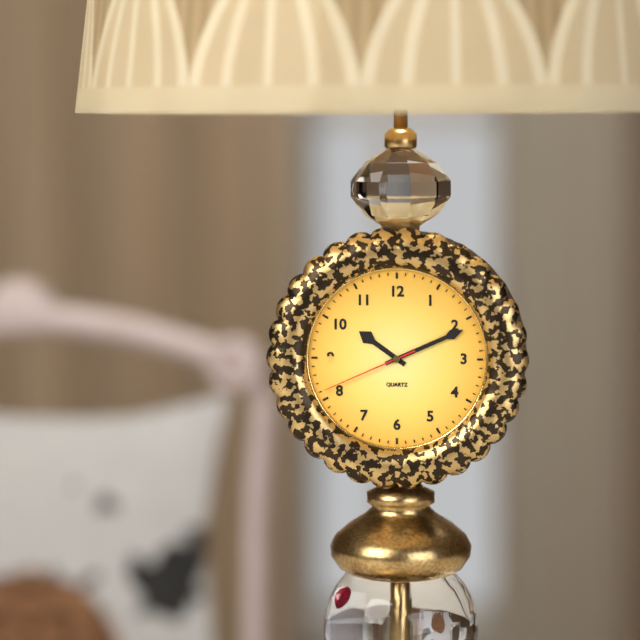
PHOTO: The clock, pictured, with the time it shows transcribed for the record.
10:11:41
